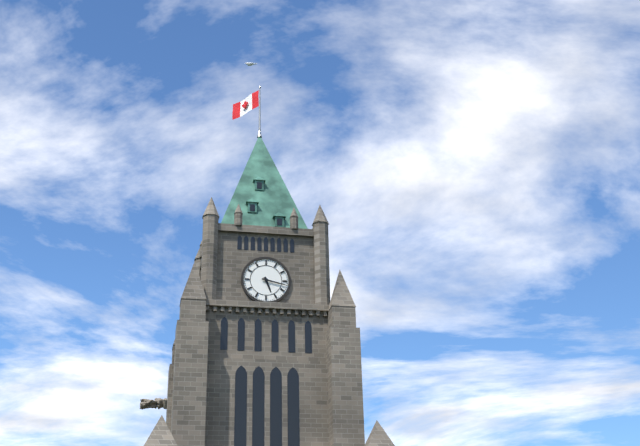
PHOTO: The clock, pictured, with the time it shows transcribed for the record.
5:17
